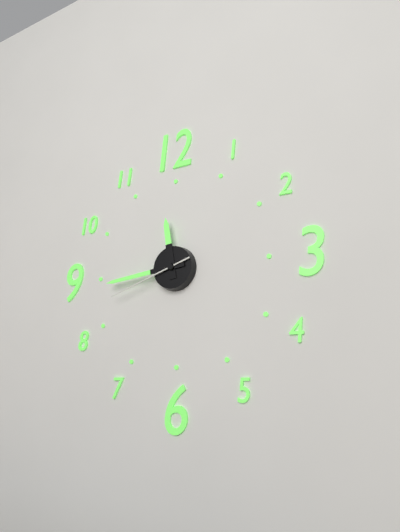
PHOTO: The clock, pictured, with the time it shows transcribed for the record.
11:44:42
